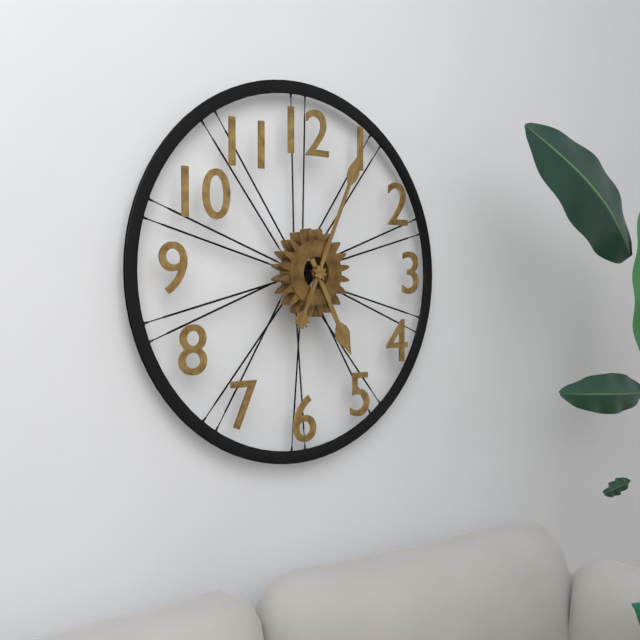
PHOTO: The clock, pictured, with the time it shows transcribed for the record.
5:04
